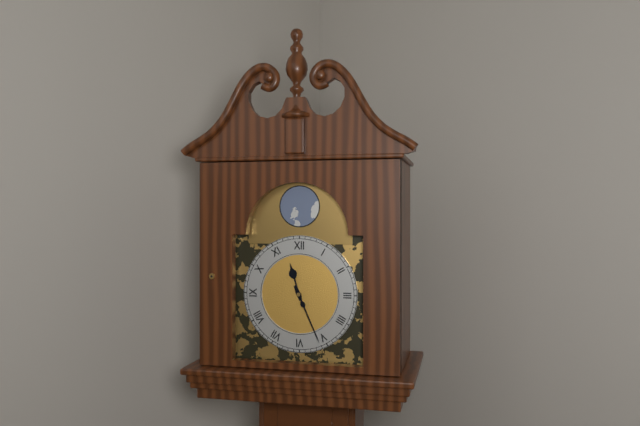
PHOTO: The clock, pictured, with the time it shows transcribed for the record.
11:26
